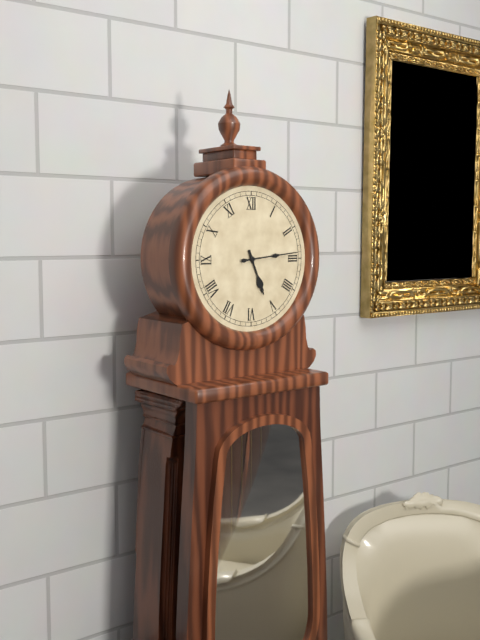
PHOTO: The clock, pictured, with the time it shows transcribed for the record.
5:14
